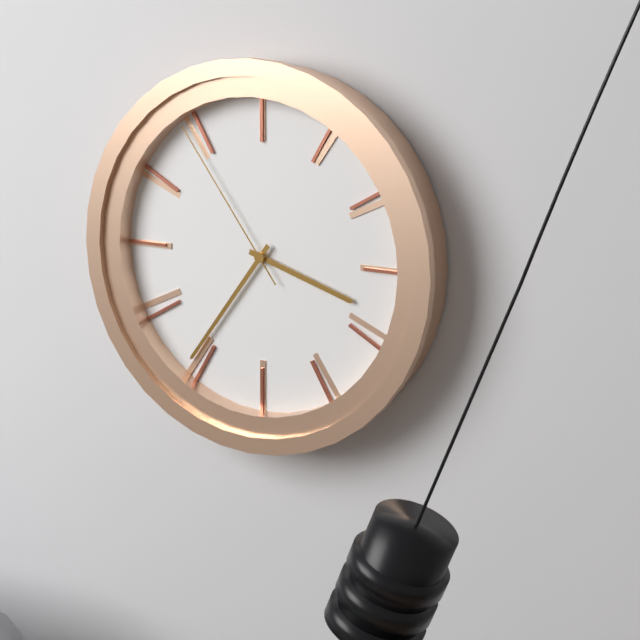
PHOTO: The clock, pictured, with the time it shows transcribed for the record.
3:36:54
